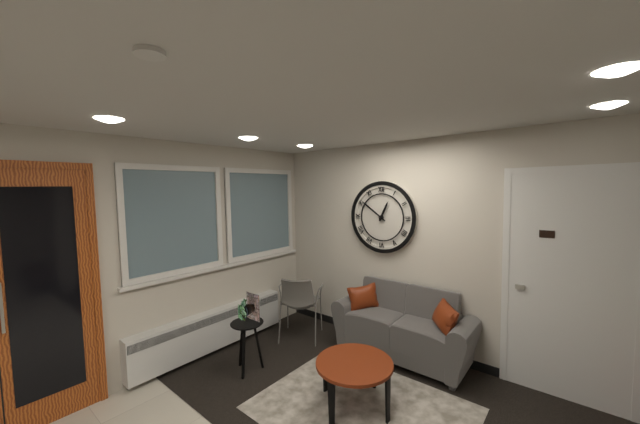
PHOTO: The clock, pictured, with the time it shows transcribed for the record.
12:51
